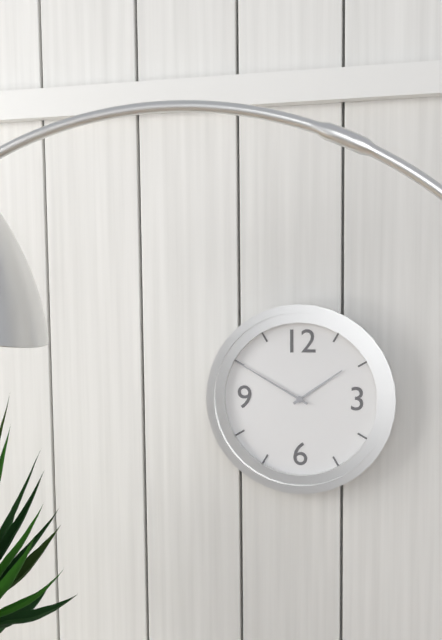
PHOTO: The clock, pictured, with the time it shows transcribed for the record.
1:50
